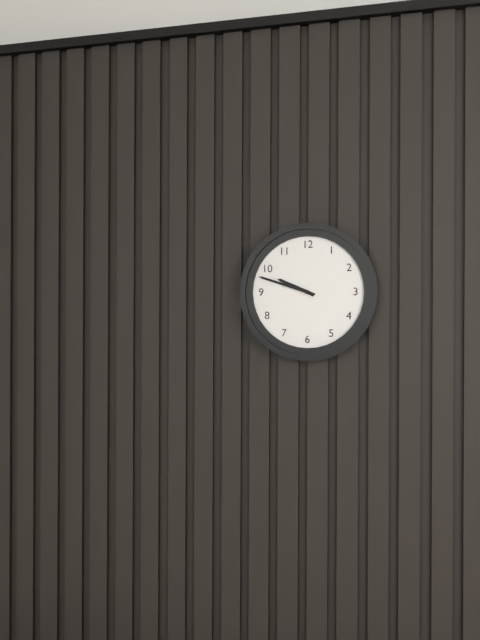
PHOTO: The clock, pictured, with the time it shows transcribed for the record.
9:48
